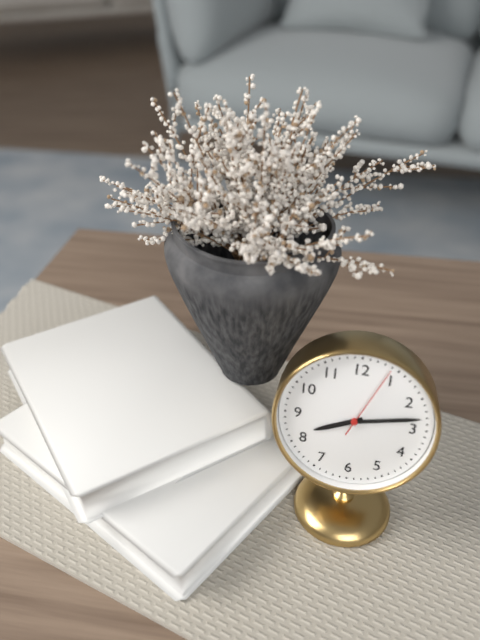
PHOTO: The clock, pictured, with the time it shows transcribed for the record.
8:13:04
